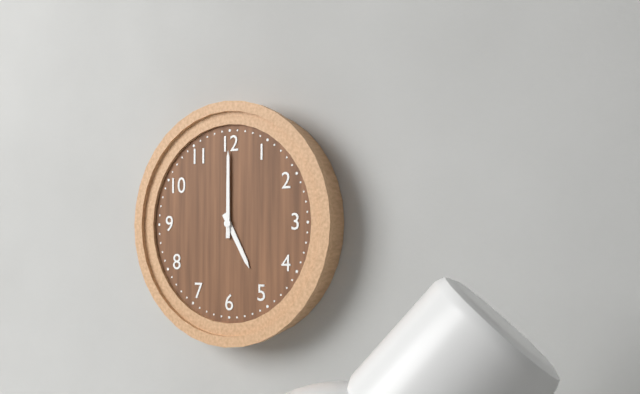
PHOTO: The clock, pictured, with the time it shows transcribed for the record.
5:00
